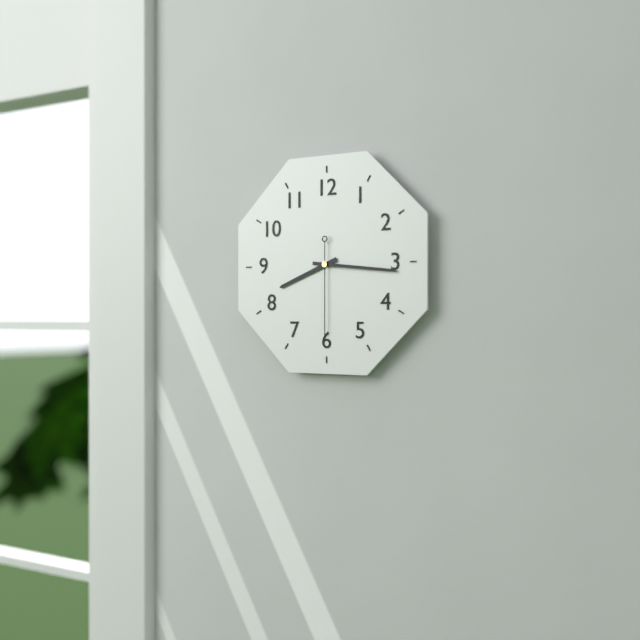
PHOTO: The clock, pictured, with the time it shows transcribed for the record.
8:16:30
